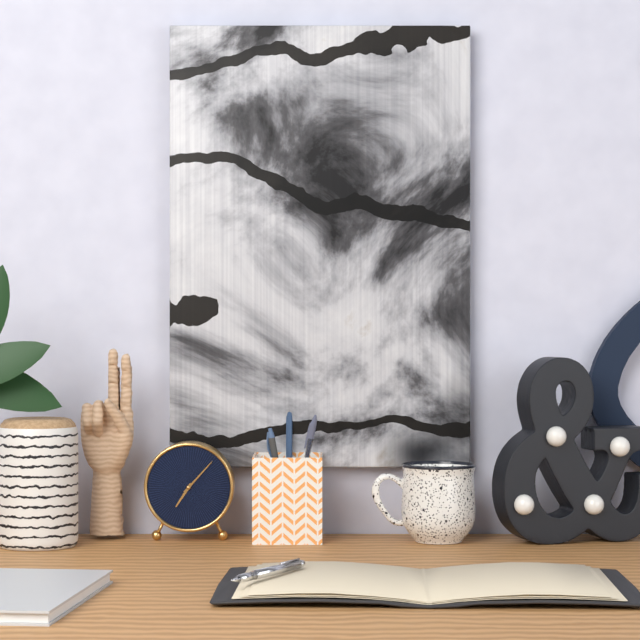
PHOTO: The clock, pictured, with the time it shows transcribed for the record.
7:07
